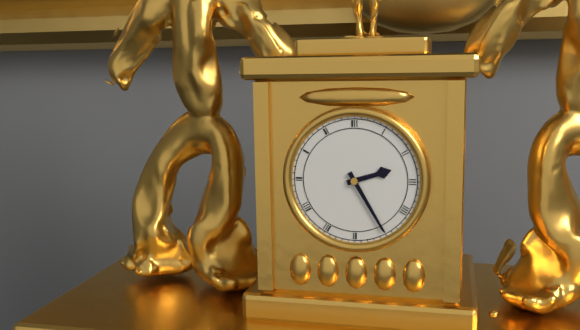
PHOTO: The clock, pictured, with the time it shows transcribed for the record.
2:25
